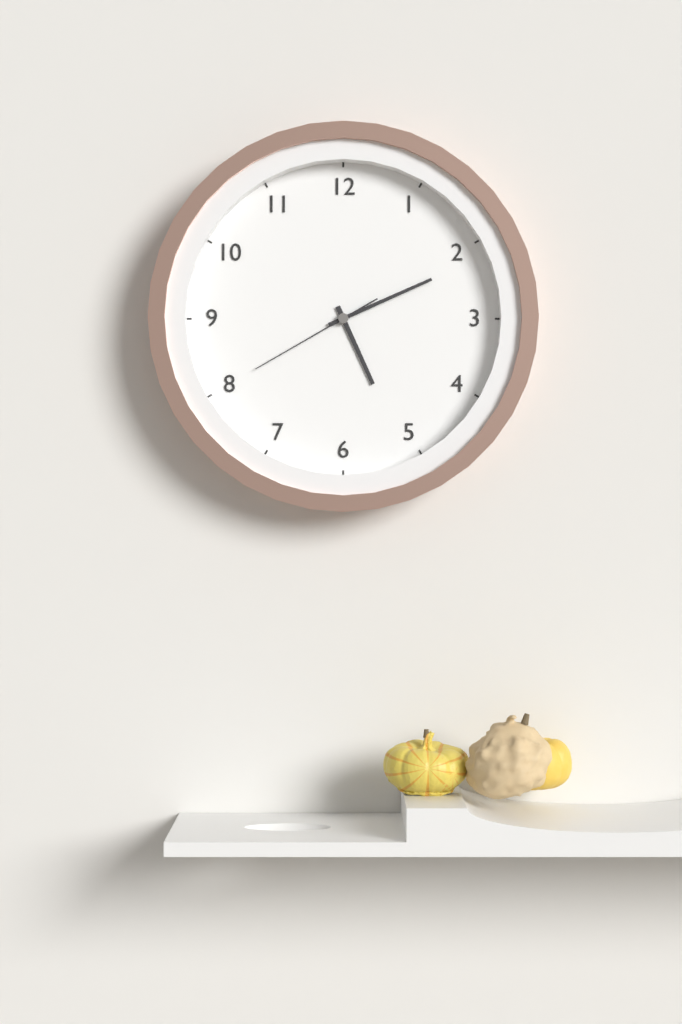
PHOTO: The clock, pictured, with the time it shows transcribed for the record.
5:11:40
